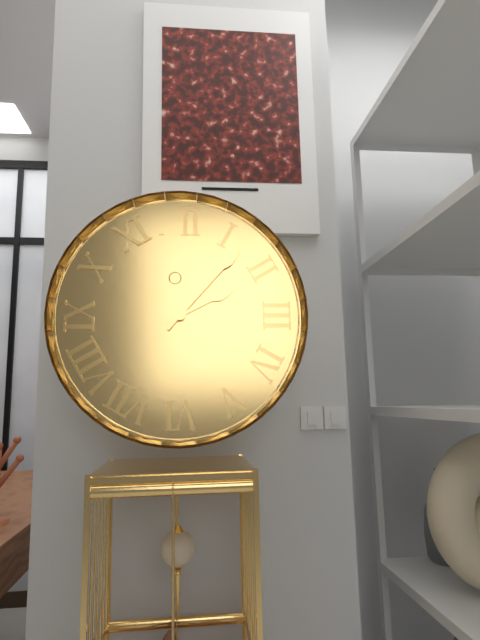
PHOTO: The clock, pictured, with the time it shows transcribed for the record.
2:07
